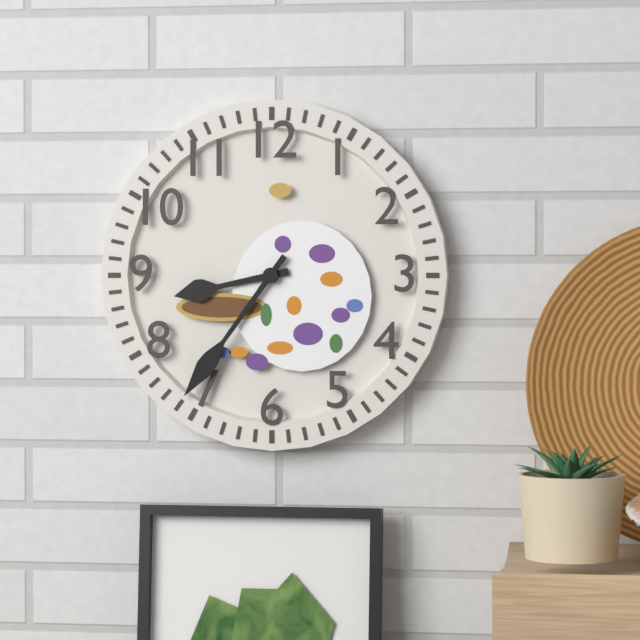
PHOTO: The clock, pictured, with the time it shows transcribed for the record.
8:36
